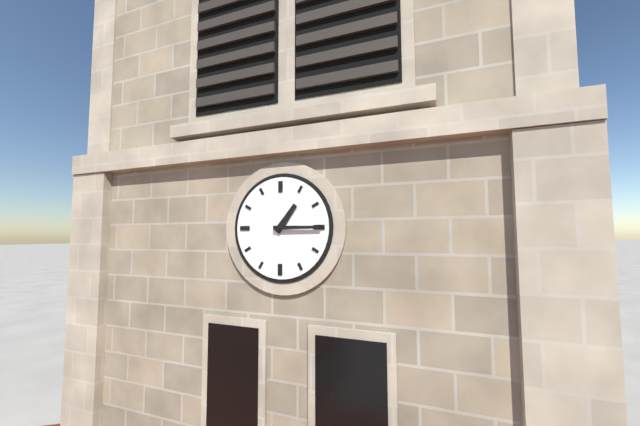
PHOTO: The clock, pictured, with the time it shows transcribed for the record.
1:15
